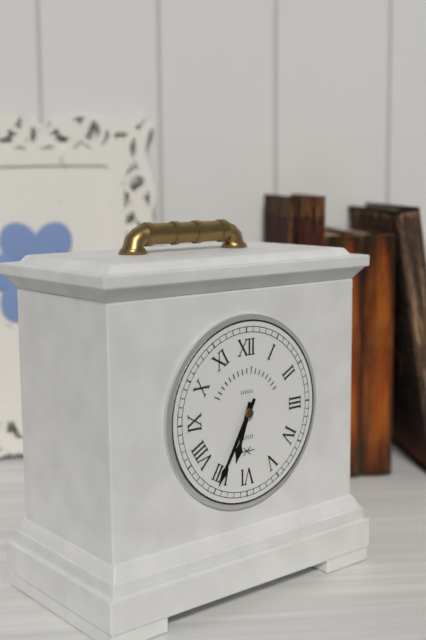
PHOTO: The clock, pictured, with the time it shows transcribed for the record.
6:35
